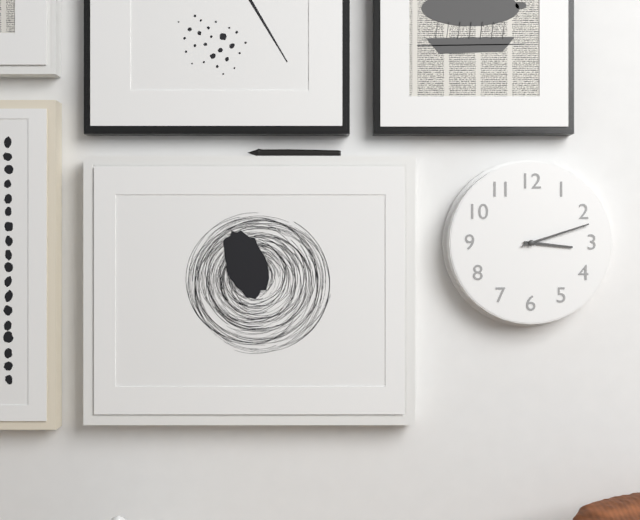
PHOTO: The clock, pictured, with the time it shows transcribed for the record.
3:12
